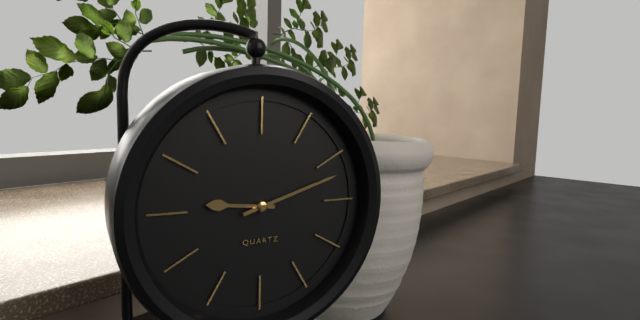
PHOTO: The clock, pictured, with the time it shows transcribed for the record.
9:12
